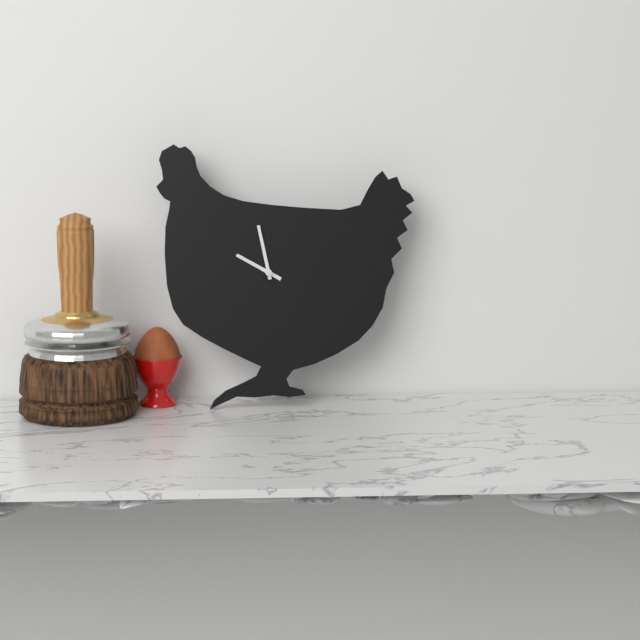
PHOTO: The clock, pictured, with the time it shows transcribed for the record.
9:58
